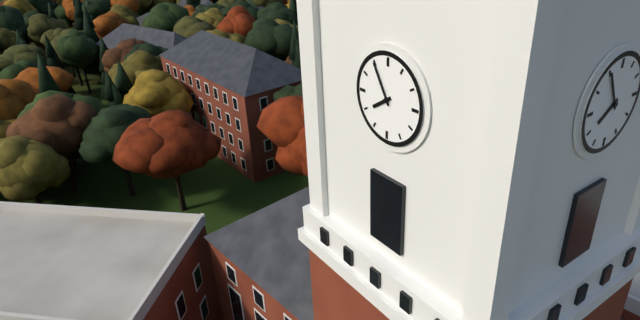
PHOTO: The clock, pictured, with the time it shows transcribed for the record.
7:55
